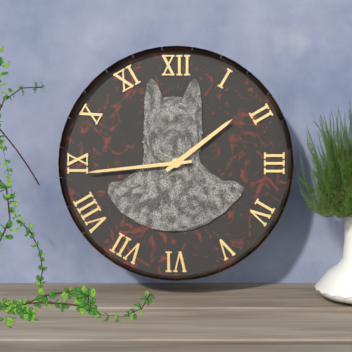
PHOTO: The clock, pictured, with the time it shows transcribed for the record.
1:44
